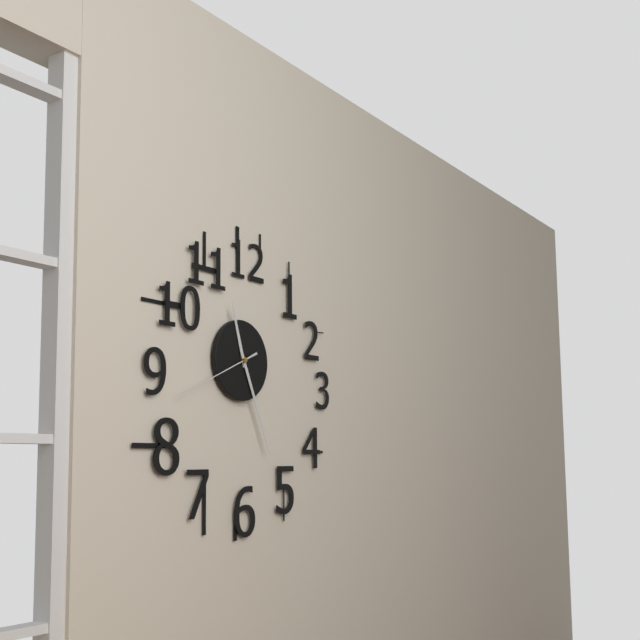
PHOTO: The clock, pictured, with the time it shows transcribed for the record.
11:26:41
